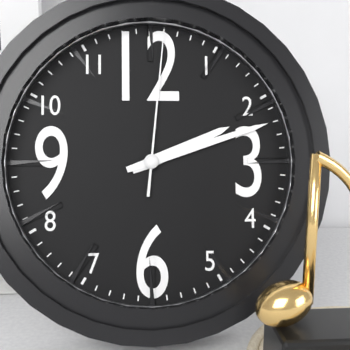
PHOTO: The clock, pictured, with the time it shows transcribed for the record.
2:12:01
